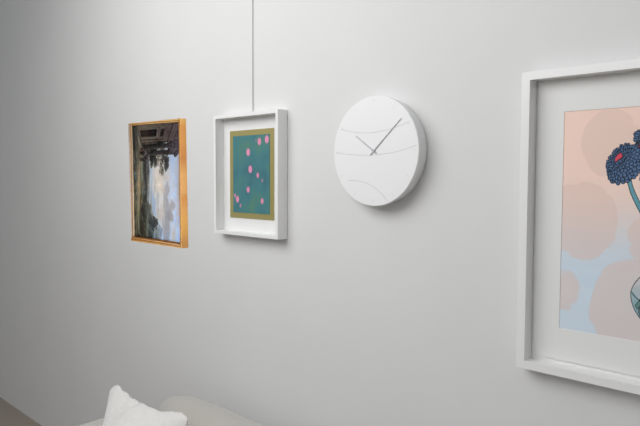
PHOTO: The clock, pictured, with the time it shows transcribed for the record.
10:08
